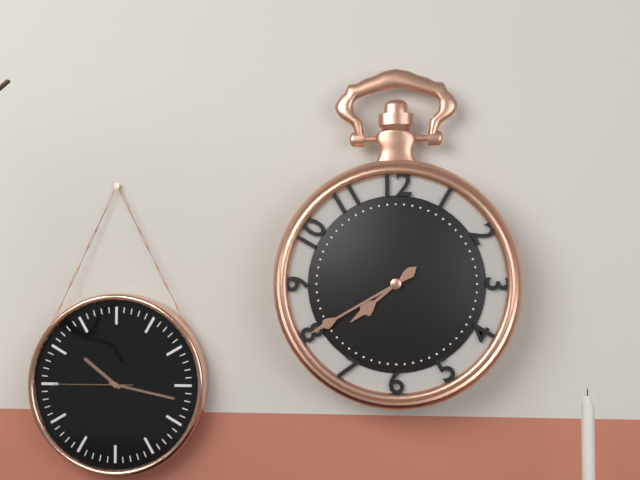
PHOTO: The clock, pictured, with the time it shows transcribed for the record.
7:40
